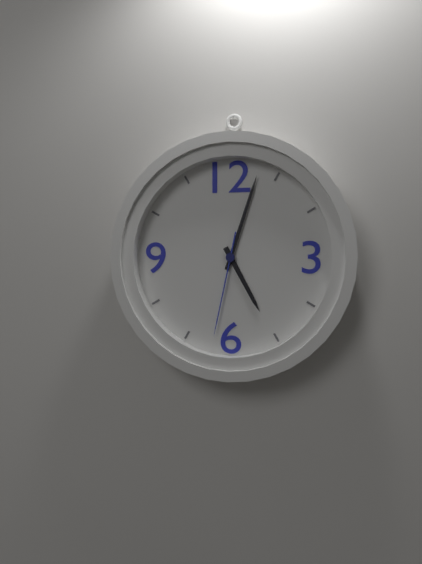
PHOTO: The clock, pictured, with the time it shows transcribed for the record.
5:03:32
